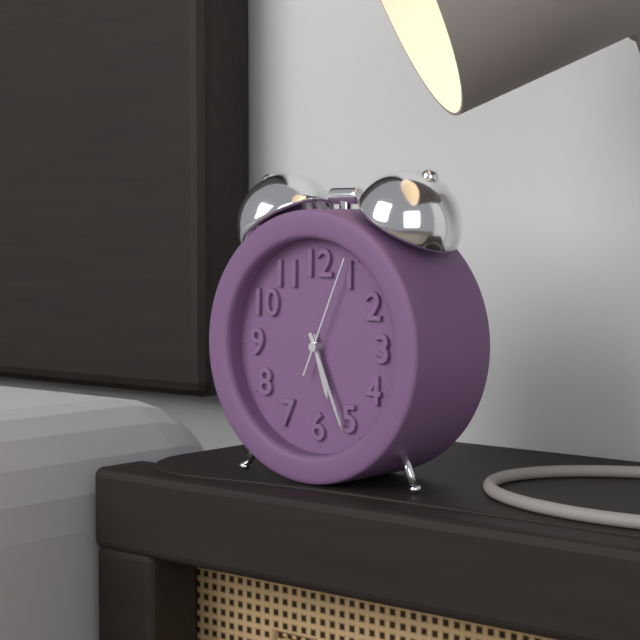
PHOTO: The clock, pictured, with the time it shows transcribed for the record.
5:26:04
